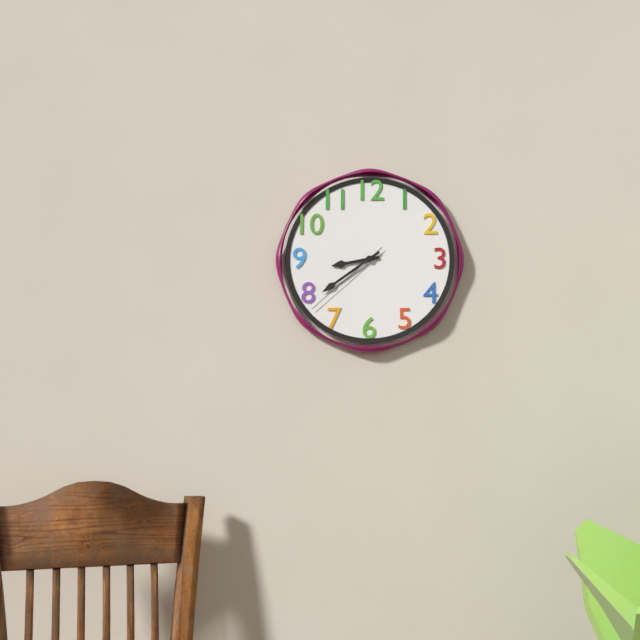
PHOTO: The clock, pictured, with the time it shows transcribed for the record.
8:39:38
